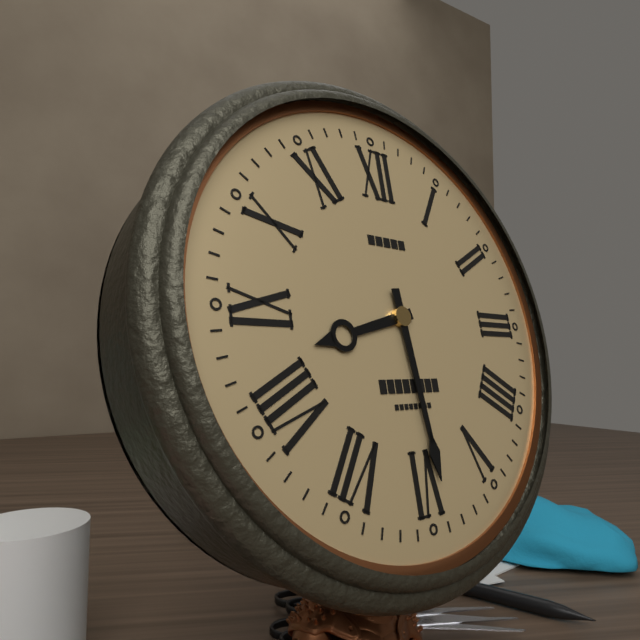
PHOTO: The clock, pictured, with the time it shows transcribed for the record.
8:29
